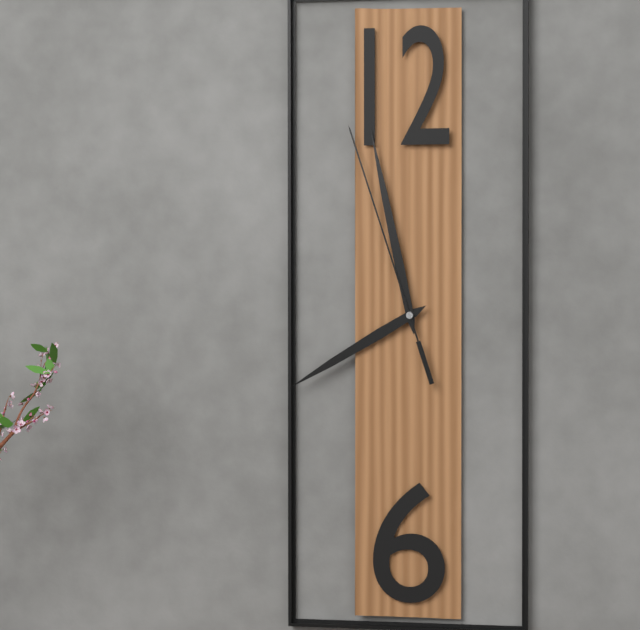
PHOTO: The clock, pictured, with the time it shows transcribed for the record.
7:58:57
